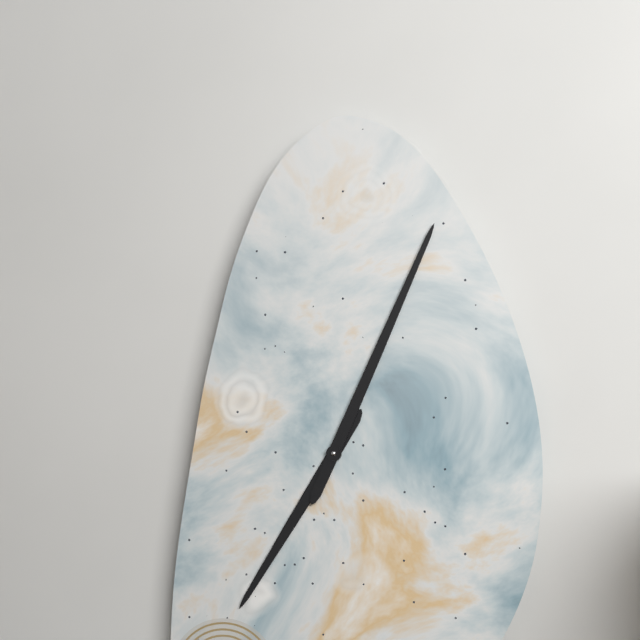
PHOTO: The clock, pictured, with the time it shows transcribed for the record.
7:04
